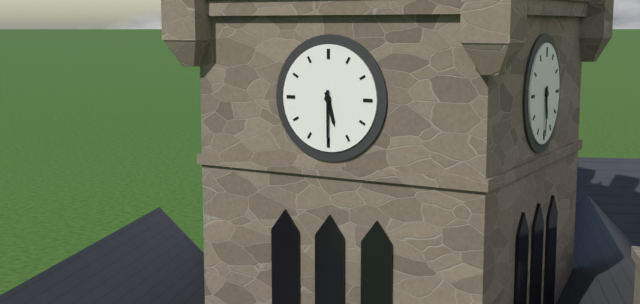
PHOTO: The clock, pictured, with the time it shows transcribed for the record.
5:30
